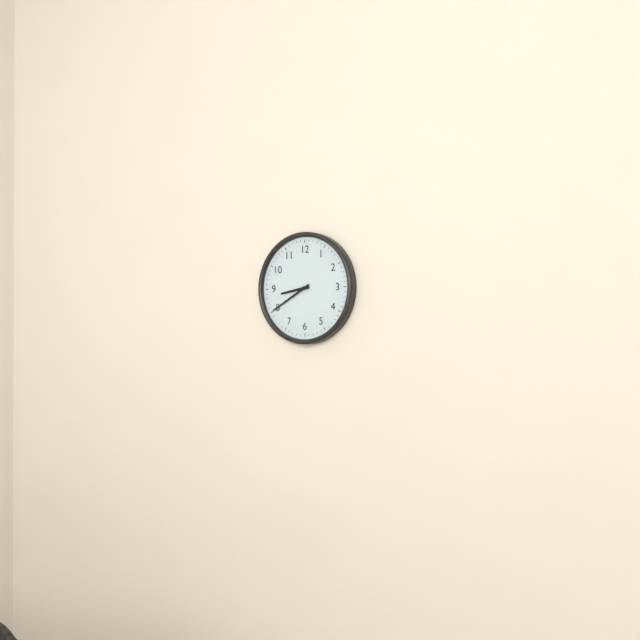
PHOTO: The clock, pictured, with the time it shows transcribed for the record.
8:40
